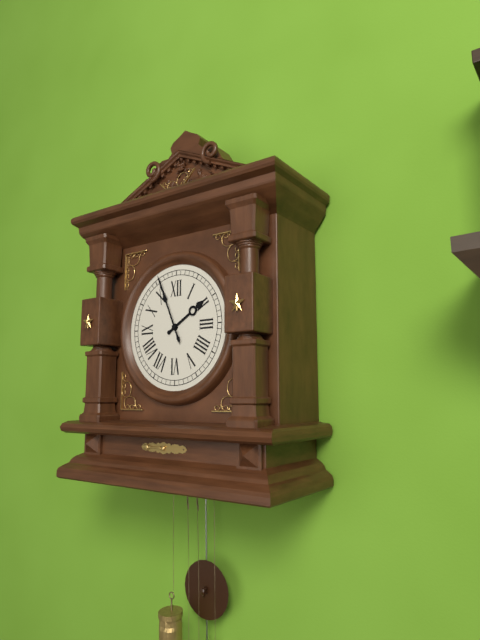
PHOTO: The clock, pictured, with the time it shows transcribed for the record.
1:56
